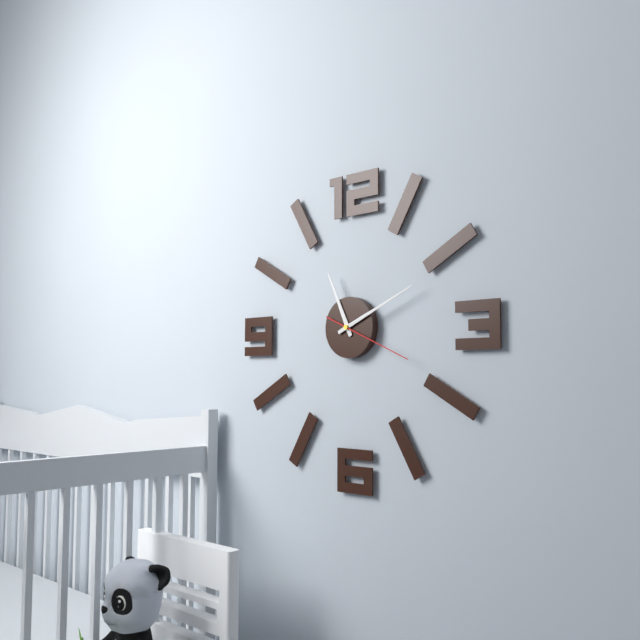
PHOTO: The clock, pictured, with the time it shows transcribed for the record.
11:11:19
